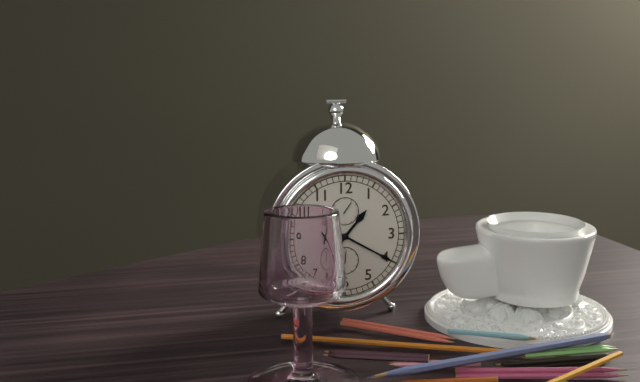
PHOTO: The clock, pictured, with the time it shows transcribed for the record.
1:20
